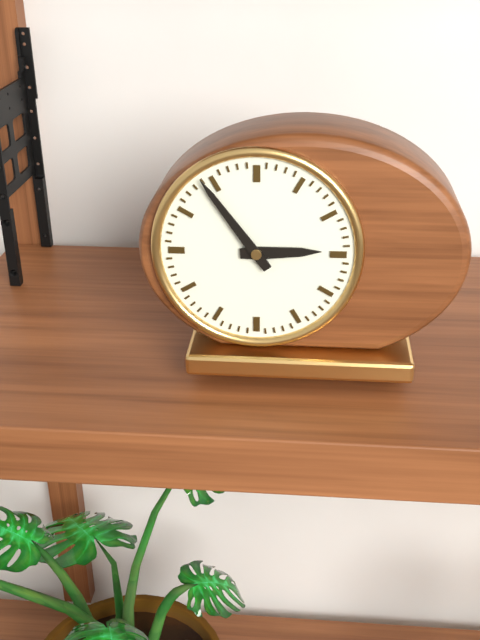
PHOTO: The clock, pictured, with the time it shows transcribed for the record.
2:54
